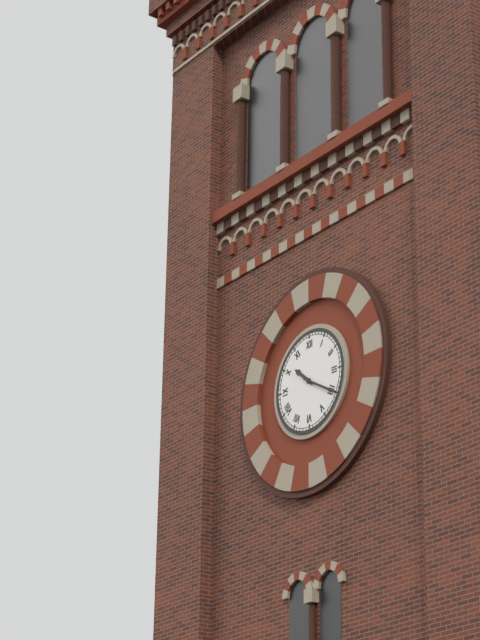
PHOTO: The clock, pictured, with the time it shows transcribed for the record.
10:20
